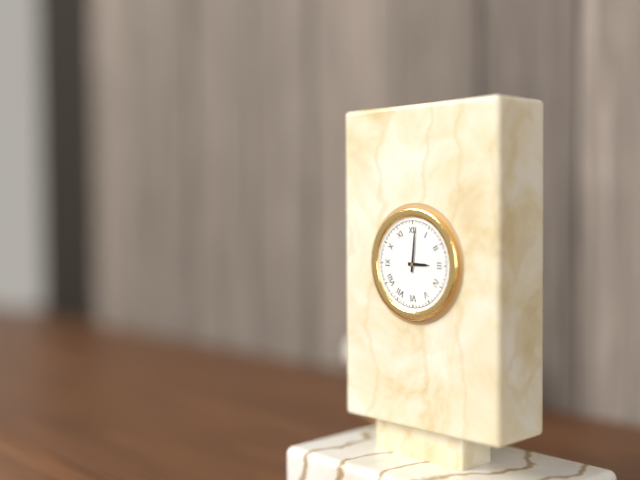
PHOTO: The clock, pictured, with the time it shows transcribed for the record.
3:01
